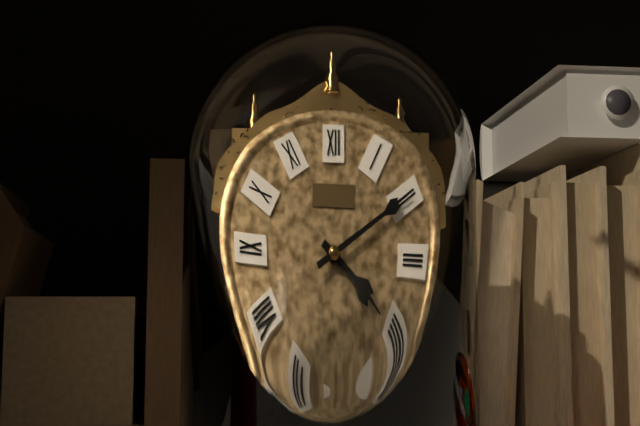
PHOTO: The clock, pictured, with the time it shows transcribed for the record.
4:10
